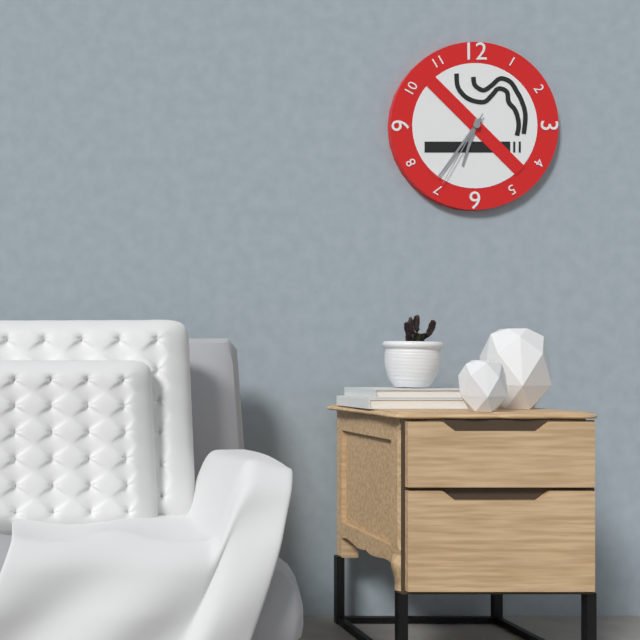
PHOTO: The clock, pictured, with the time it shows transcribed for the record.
6:36:35
